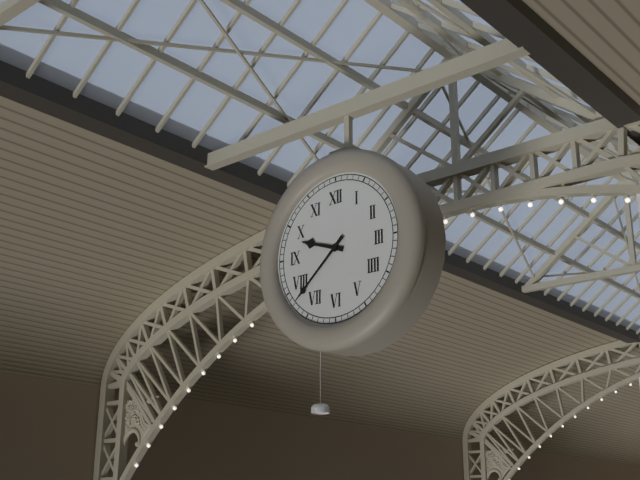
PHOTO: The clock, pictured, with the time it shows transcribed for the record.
9:38
